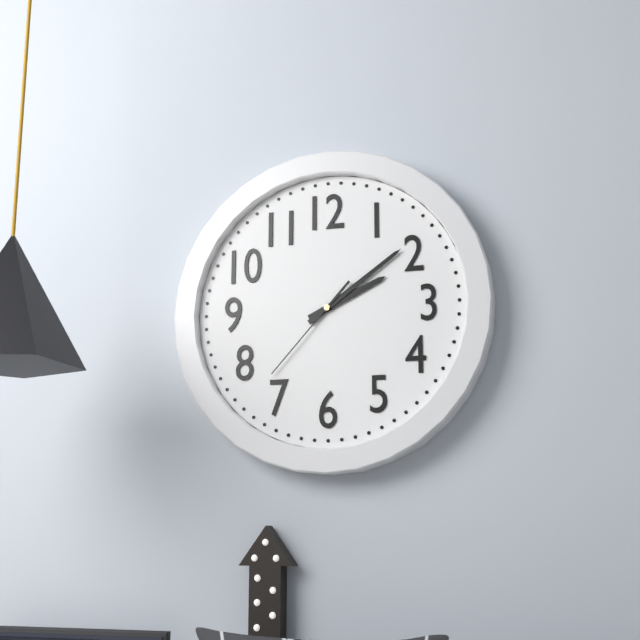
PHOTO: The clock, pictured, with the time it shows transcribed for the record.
2:09:37
